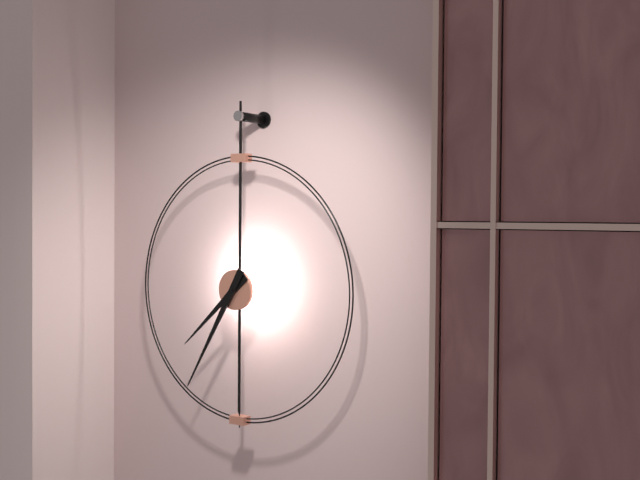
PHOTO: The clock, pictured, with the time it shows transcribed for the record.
7:35
